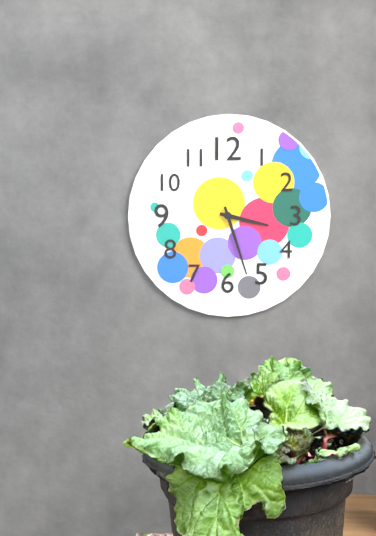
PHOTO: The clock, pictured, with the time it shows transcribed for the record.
3:27
